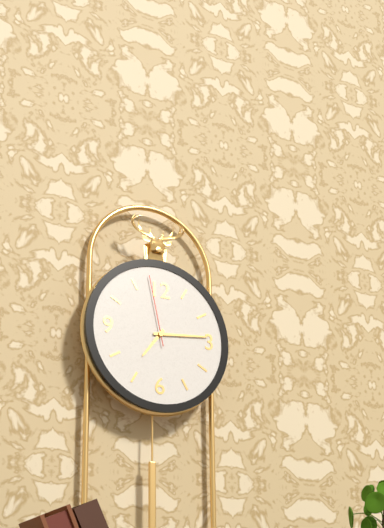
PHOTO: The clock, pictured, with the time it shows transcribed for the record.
7:14:58
